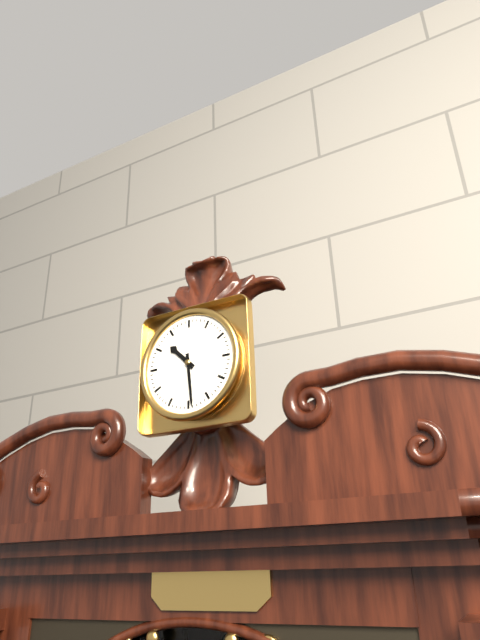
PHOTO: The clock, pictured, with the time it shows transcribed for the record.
10:29
